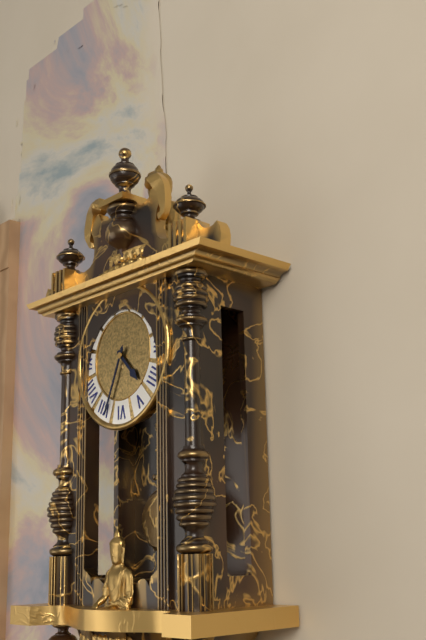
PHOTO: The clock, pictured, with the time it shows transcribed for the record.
4:34
